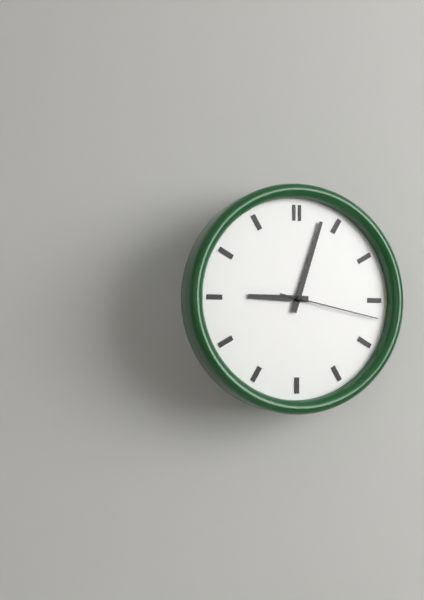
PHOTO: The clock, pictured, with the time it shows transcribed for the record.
9:03:17
